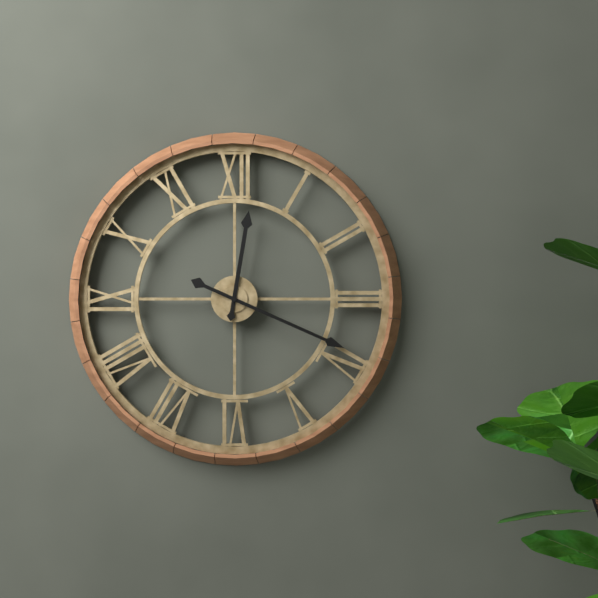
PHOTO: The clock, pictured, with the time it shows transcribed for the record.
12:19
